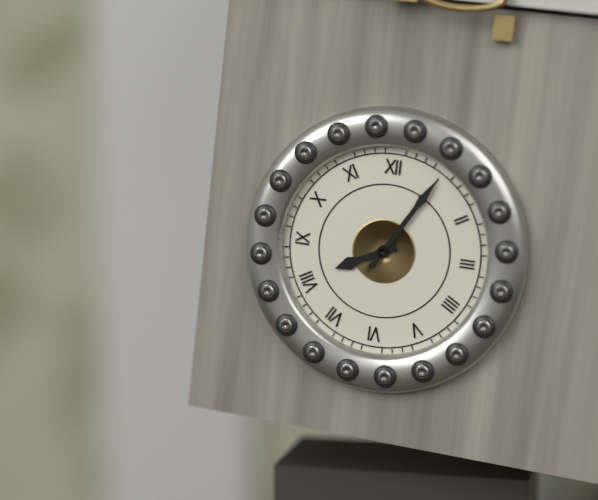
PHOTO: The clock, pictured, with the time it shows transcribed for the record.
8:05
